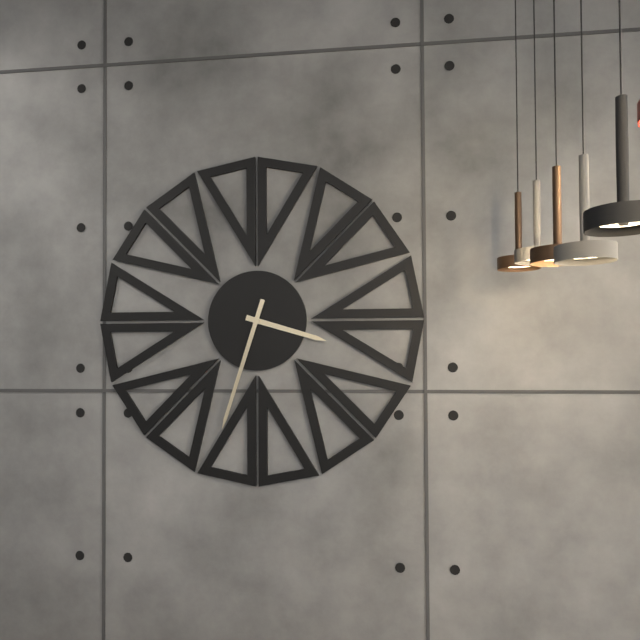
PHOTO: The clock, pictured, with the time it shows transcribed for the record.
3:33
